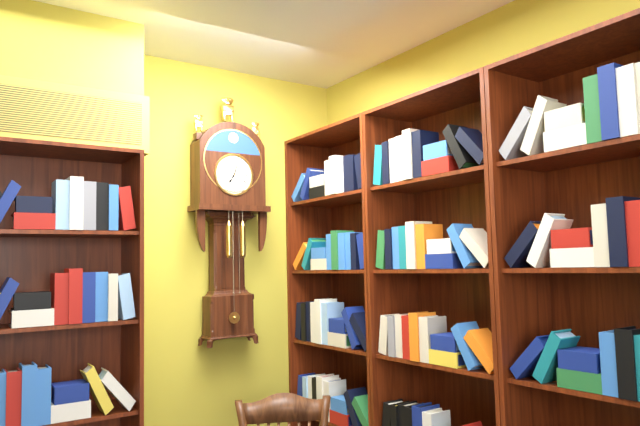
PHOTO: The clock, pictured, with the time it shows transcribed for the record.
7:03
